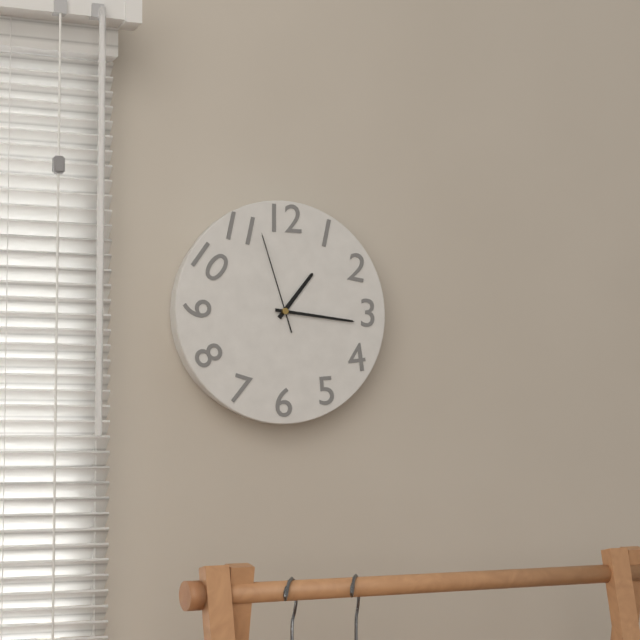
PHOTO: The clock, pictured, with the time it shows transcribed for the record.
1:16:57
